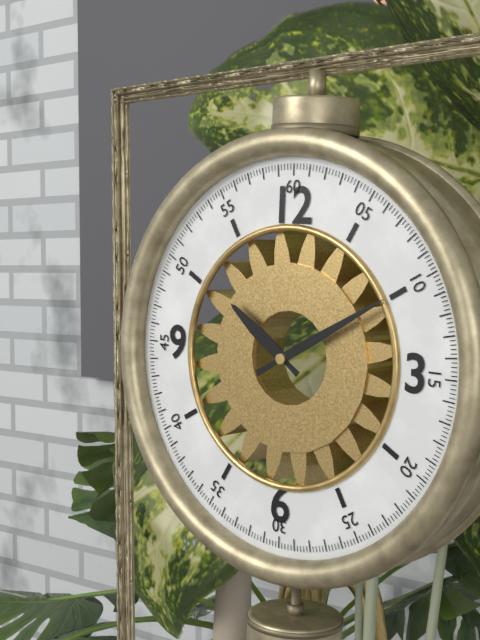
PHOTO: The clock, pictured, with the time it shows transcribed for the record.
10:10
